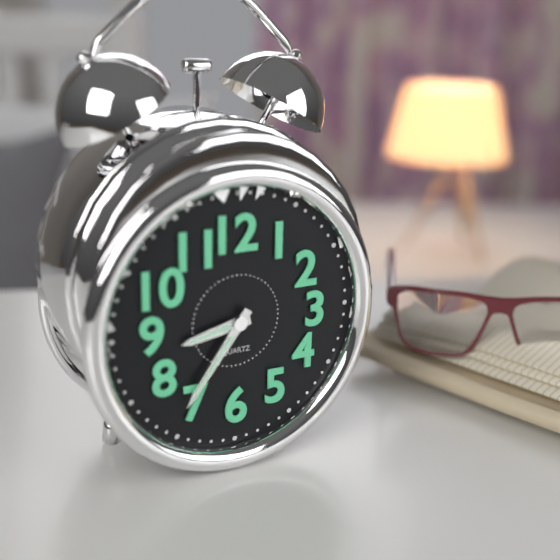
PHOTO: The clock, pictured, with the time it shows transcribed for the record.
8:36
